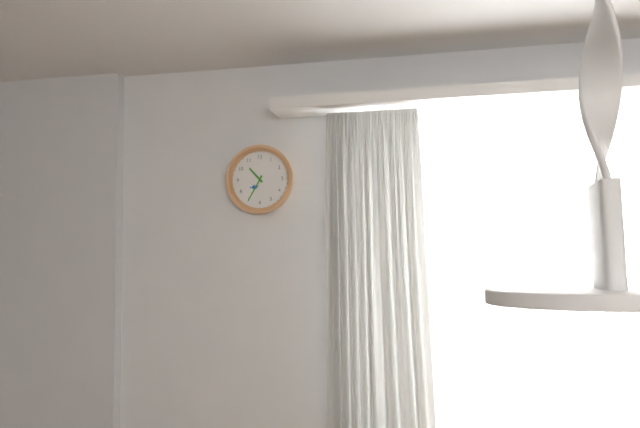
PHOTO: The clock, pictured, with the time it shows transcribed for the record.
10:35
